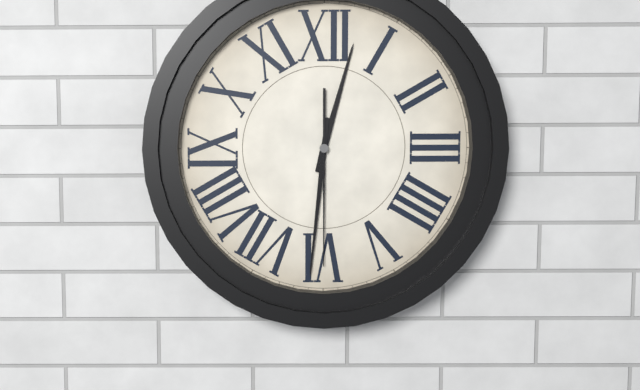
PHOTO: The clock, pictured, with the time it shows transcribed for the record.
12:31:30
